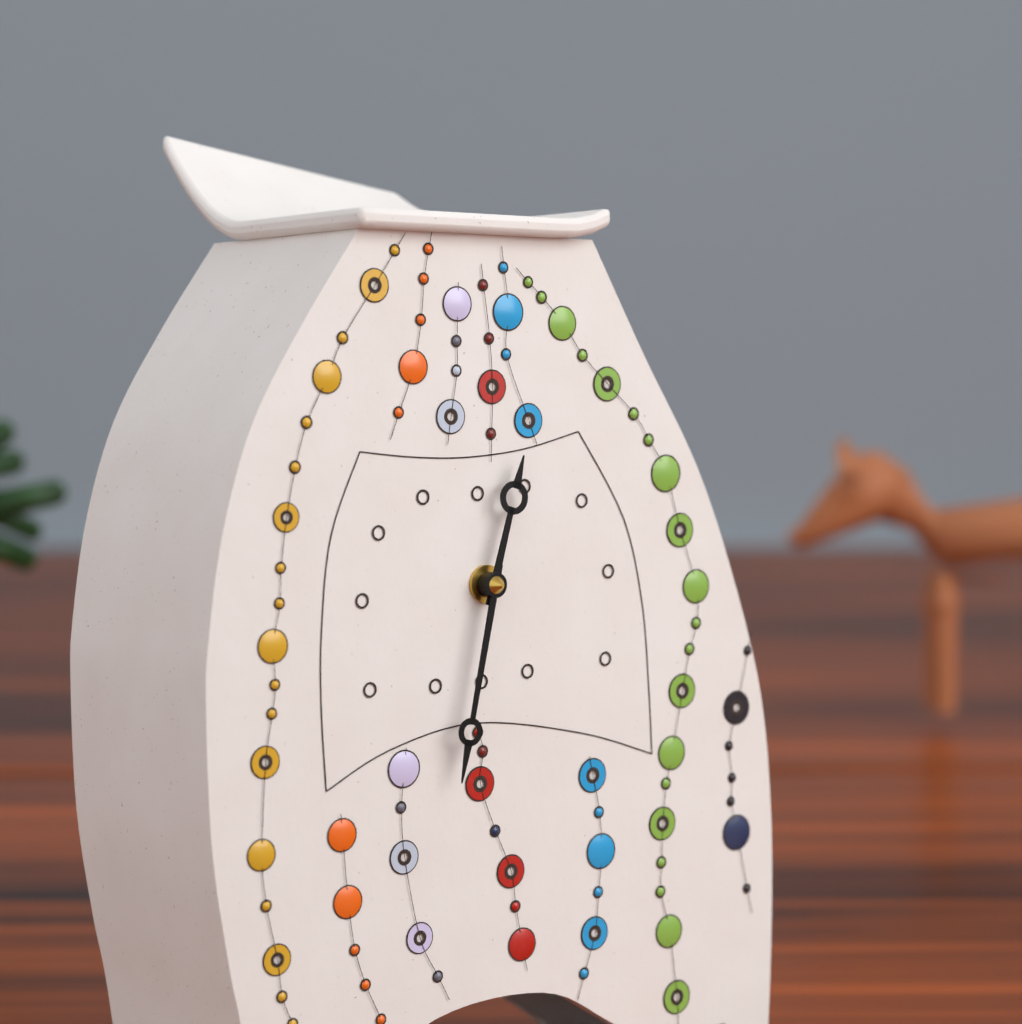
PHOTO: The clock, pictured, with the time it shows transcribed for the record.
12:32
